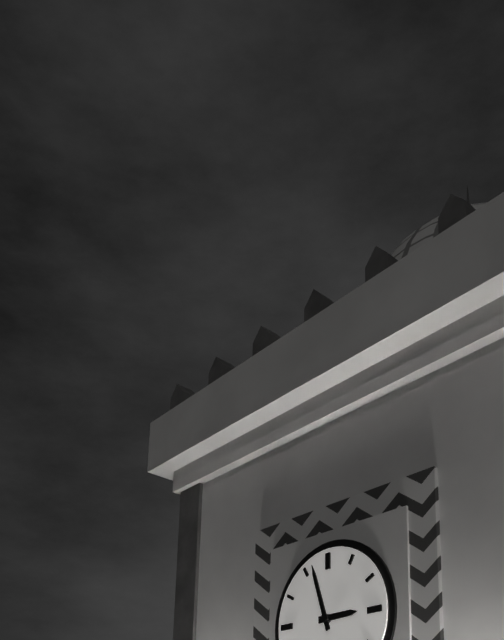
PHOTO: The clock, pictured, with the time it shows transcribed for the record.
2:57
